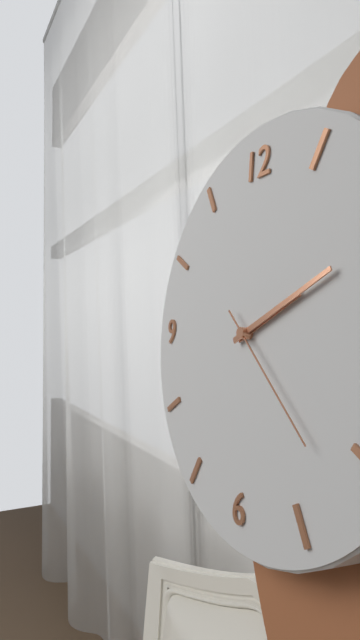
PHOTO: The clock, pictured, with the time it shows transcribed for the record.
2:11:22
